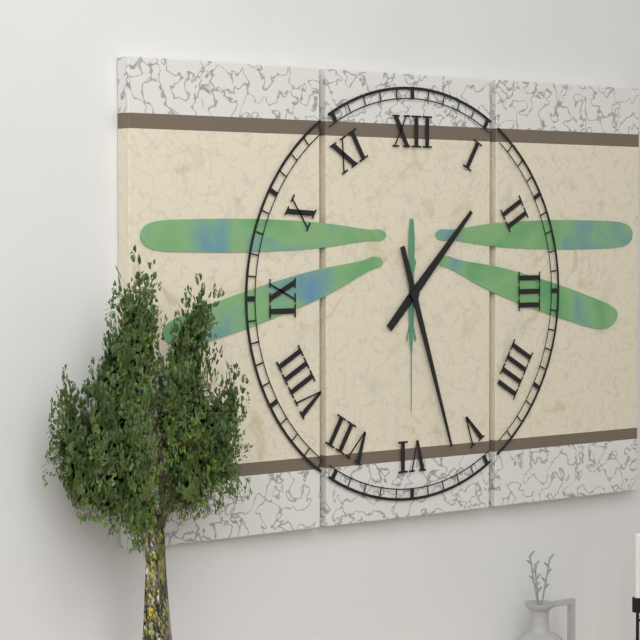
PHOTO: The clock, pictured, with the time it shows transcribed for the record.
1:27
